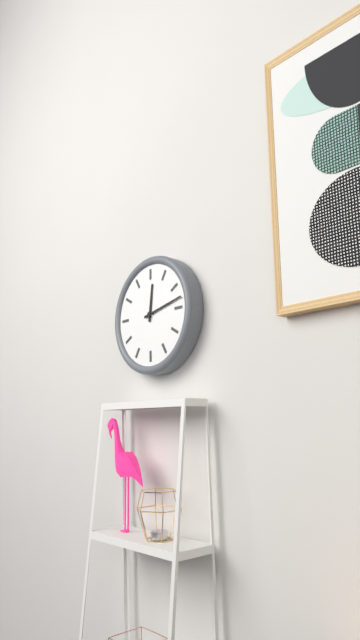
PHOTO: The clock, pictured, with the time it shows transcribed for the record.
12:13
